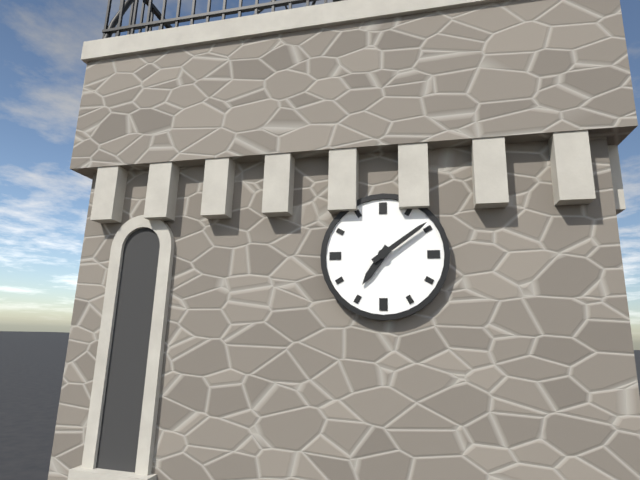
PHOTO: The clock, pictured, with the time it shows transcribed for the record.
7:09
